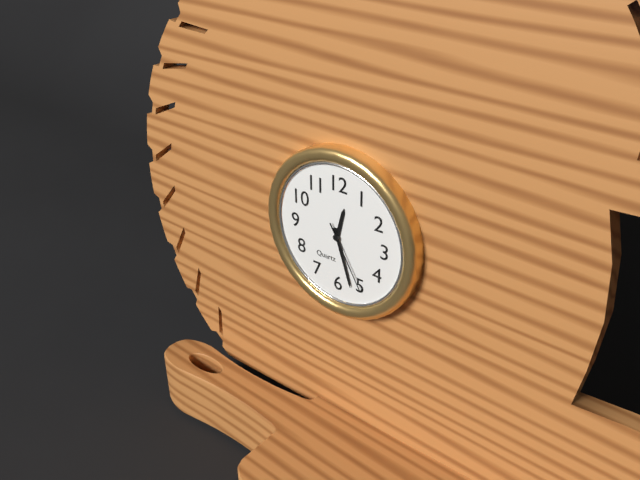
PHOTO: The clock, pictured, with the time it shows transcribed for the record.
12:27:25
